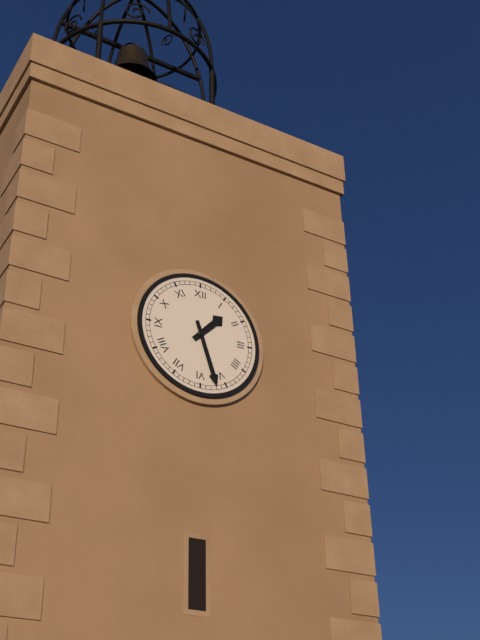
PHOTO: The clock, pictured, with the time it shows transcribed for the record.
1:27
